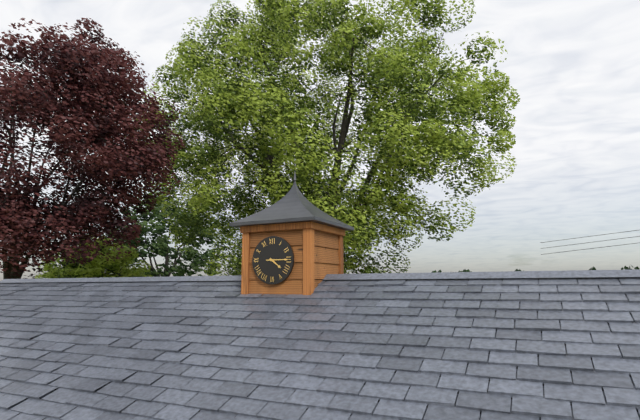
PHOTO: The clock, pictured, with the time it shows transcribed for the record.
4:15
